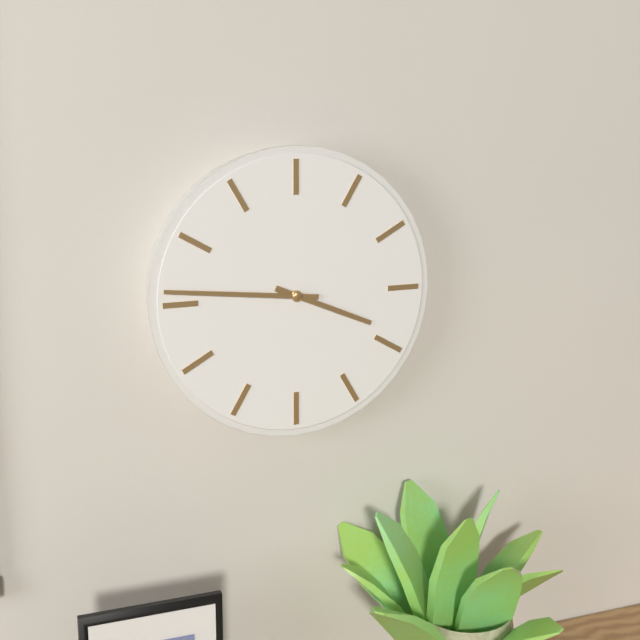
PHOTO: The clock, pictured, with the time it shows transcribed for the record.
3:46
